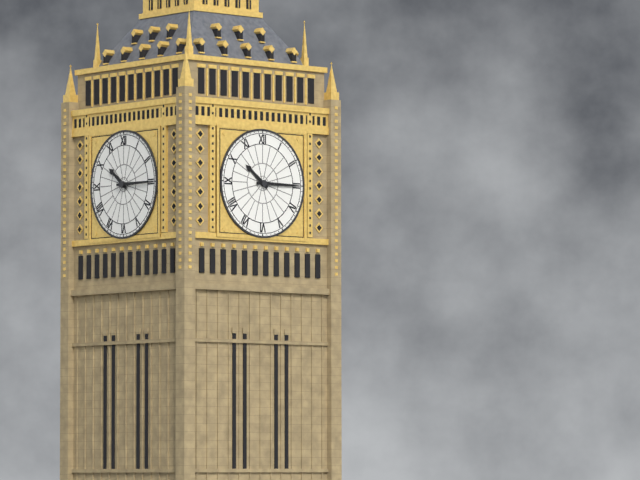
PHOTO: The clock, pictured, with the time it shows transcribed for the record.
10:15
